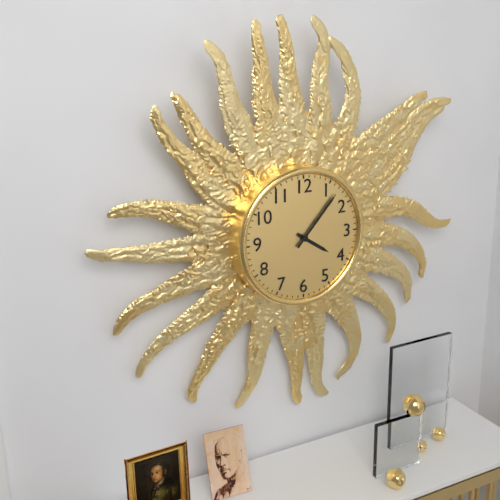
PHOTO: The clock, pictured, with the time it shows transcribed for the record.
4:07
